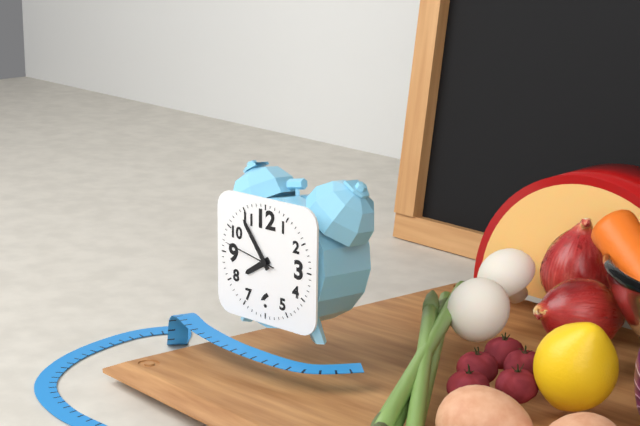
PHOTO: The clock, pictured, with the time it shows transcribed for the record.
7:54:47
